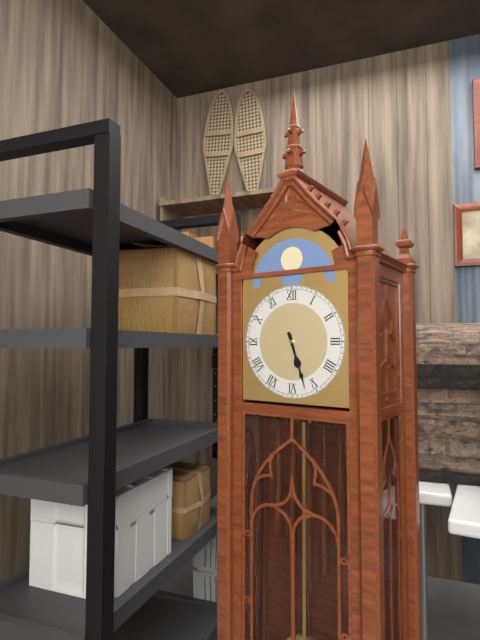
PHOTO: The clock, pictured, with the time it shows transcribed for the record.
5:27
